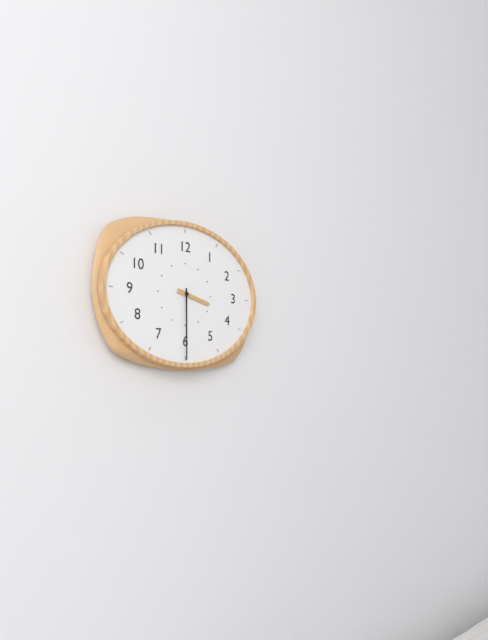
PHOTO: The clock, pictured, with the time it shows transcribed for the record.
3:30
